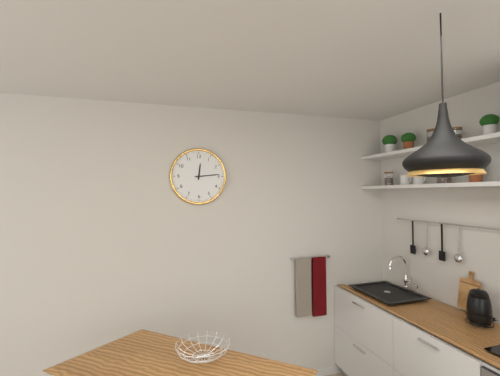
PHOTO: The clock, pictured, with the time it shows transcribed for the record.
12:14
